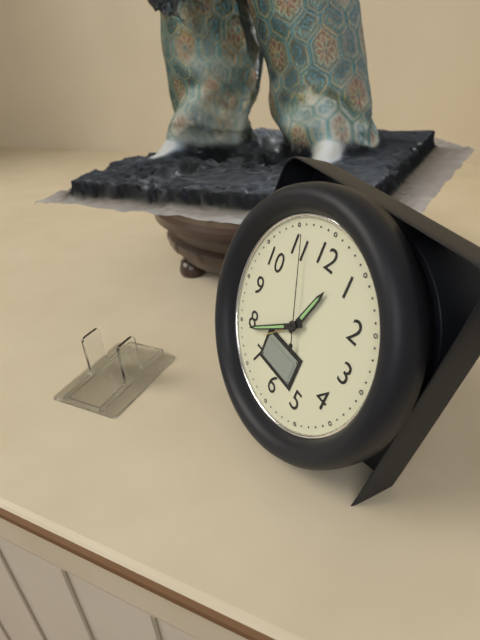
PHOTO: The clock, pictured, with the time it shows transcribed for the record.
12:39:56
